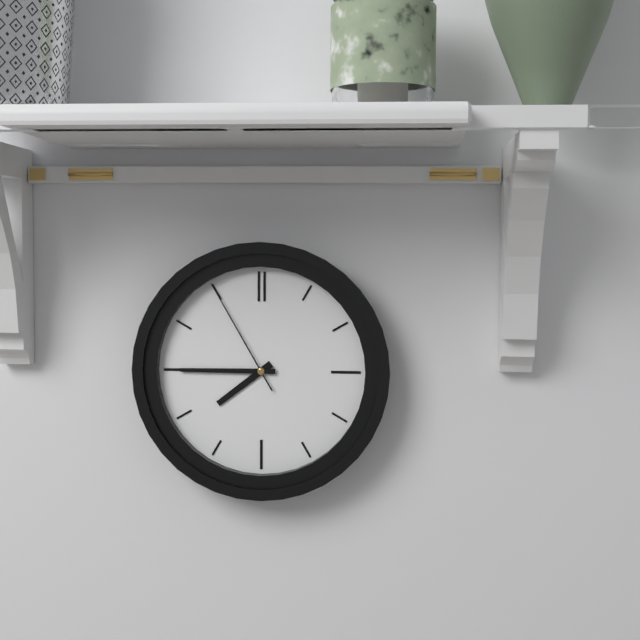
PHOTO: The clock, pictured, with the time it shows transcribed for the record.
7:45:55
